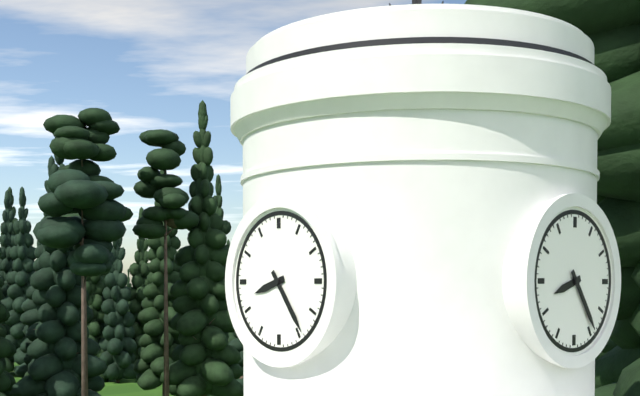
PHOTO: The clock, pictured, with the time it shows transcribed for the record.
8:24
